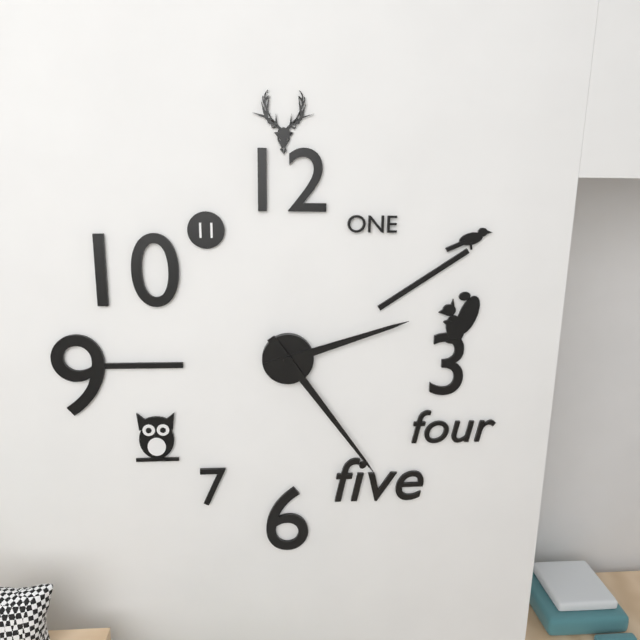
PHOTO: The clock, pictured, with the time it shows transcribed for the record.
2:24
